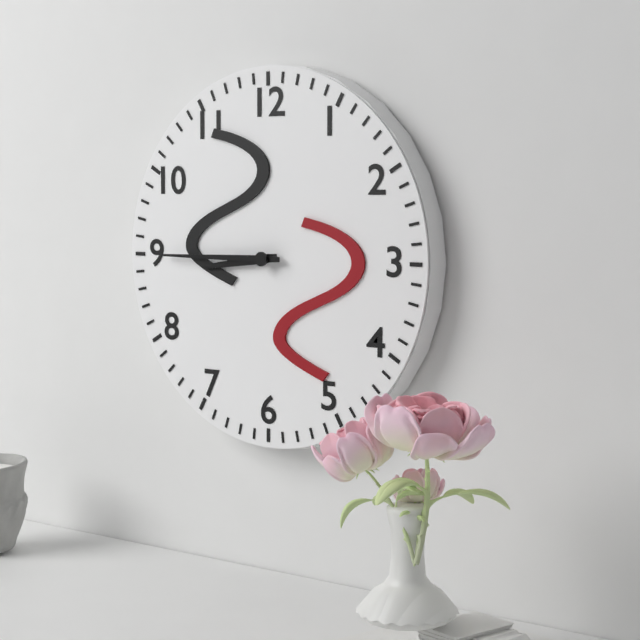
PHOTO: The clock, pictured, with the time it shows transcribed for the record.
8:45
